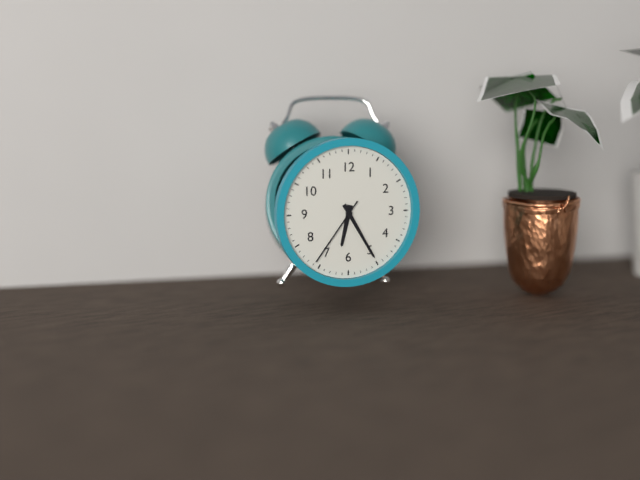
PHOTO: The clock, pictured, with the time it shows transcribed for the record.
6:25:36
